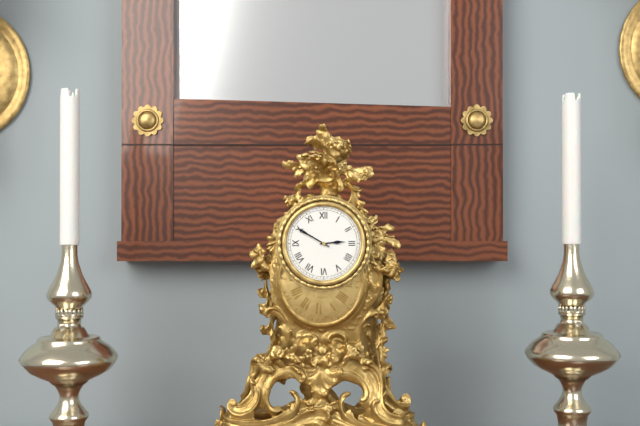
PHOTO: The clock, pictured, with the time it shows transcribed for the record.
2:50
